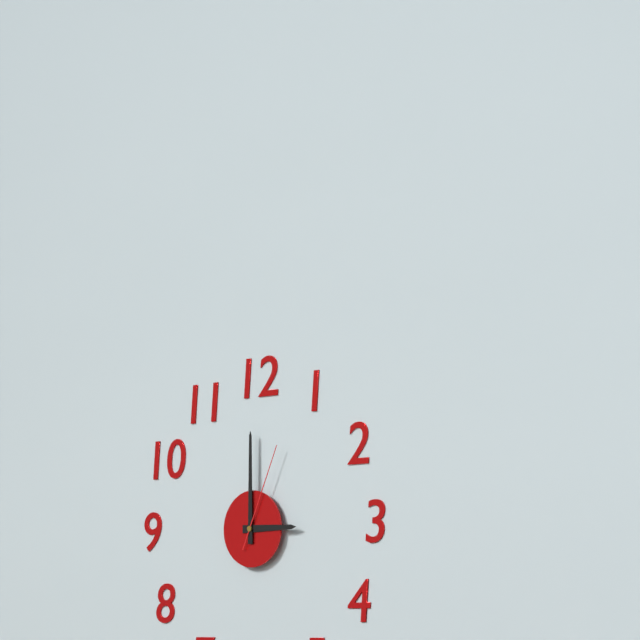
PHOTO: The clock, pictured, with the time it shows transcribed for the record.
3:00:04
